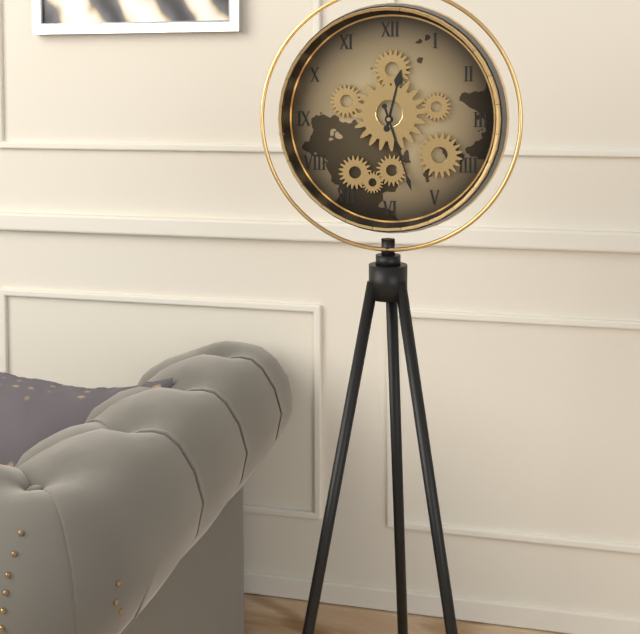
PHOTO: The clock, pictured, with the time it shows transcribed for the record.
12:27
